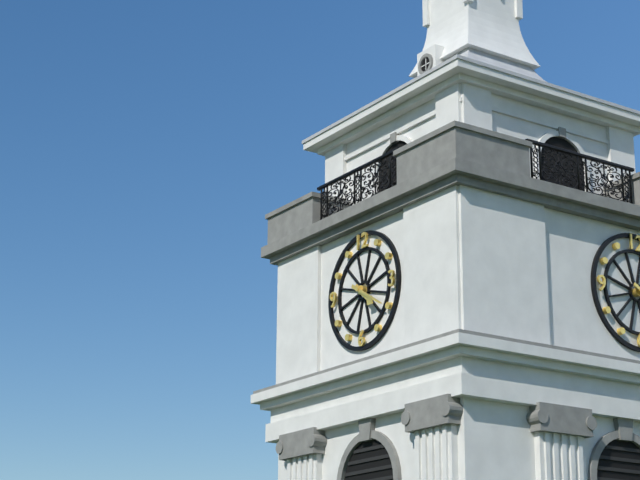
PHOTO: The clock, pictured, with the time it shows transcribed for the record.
4:20
